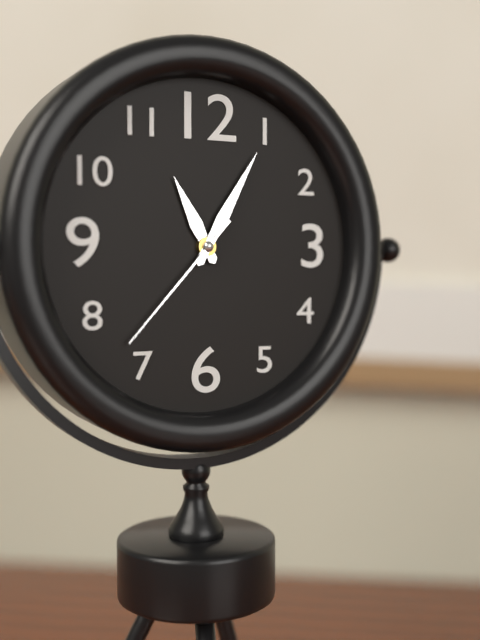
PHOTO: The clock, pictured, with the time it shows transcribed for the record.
11:05:37
